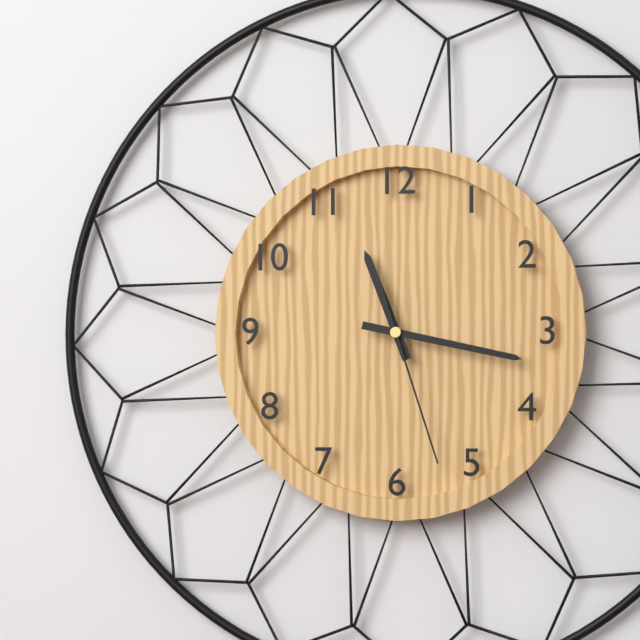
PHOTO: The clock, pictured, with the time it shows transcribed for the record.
11:17:27
